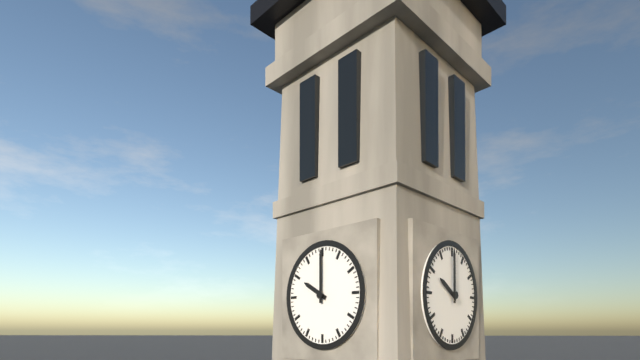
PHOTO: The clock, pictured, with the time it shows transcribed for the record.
10:00
